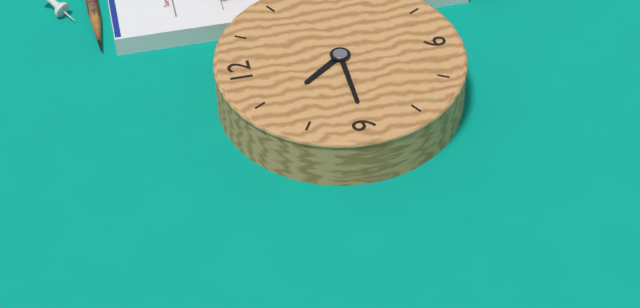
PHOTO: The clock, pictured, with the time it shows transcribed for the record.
10:45
